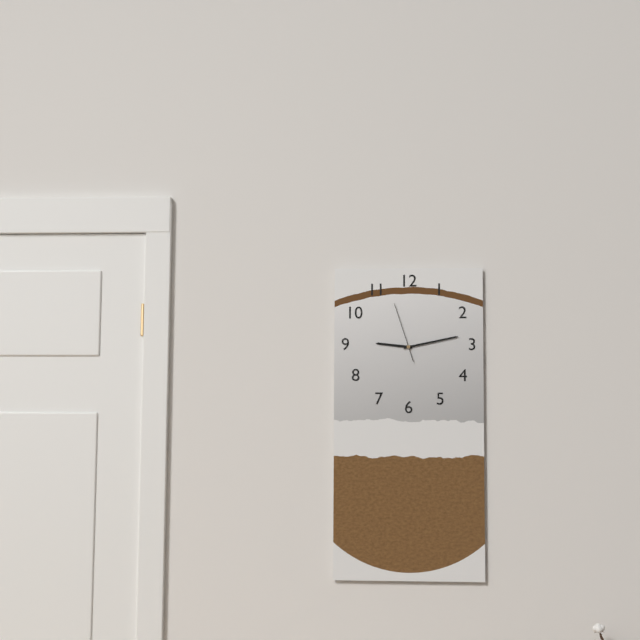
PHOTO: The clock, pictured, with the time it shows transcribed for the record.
9:13:57
